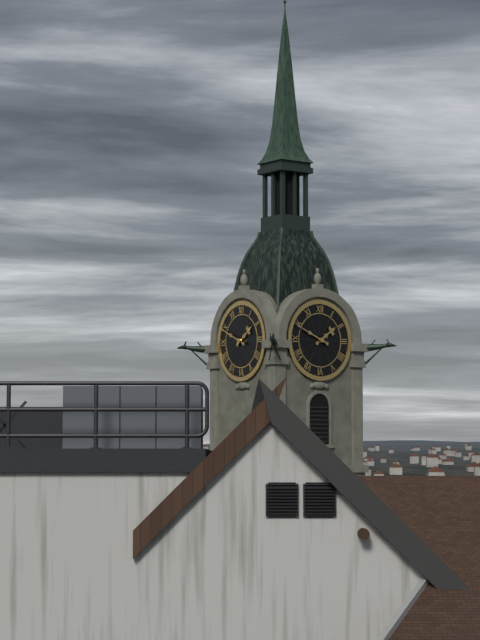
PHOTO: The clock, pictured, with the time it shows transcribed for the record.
1:49
